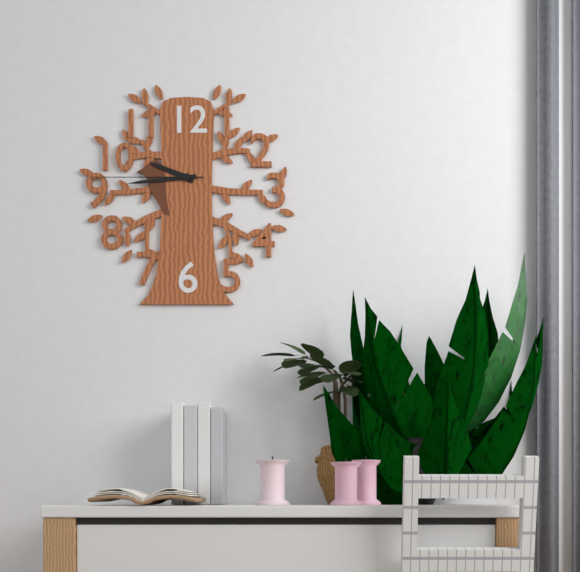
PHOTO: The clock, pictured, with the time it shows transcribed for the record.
9:44:45
